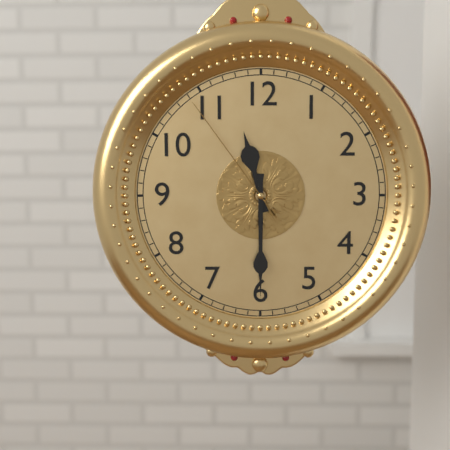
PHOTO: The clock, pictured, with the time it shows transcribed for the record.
11:30:54
